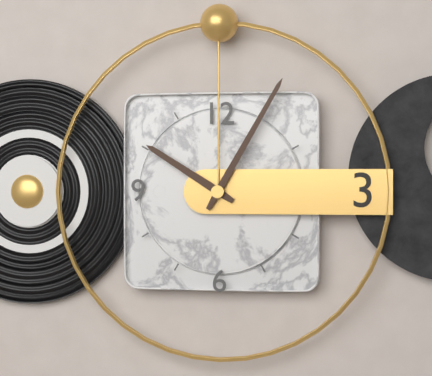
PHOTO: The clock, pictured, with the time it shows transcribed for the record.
10:05
